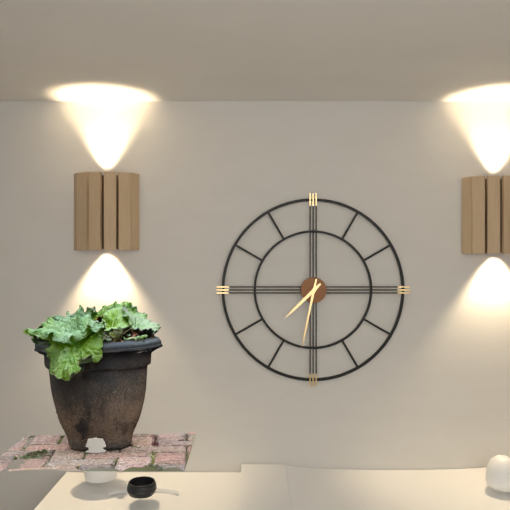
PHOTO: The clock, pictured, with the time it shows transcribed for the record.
7:32
